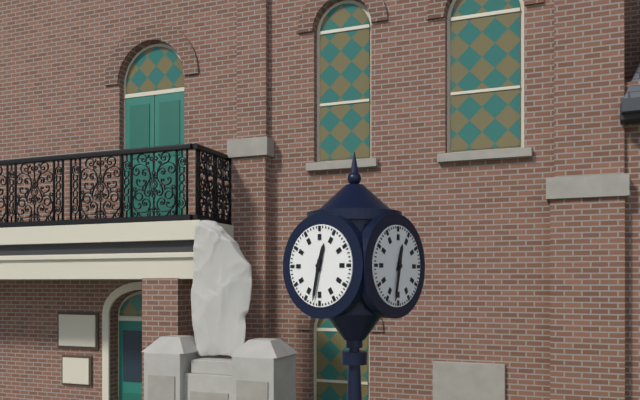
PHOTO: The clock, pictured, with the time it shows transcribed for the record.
12:32
